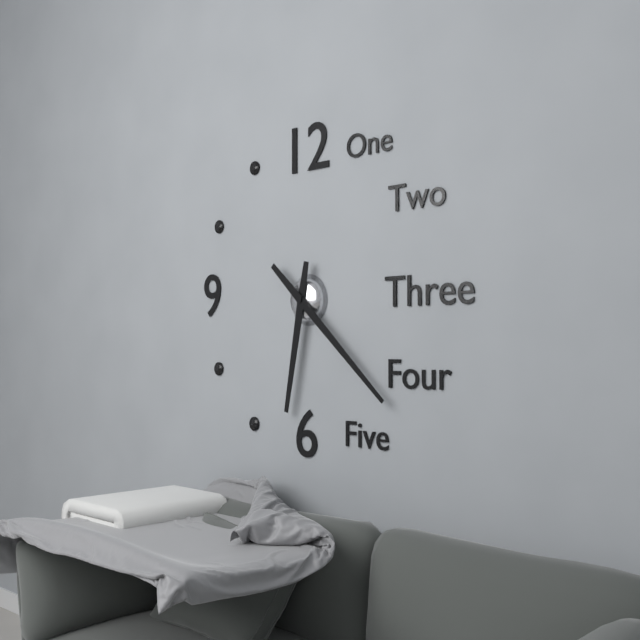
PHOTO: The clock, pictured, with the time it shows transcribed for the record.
6:22
